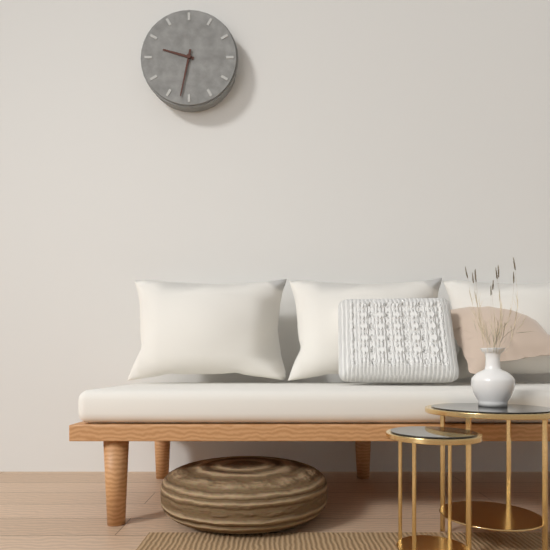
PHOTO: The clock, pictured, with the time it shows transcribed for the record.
9:32
